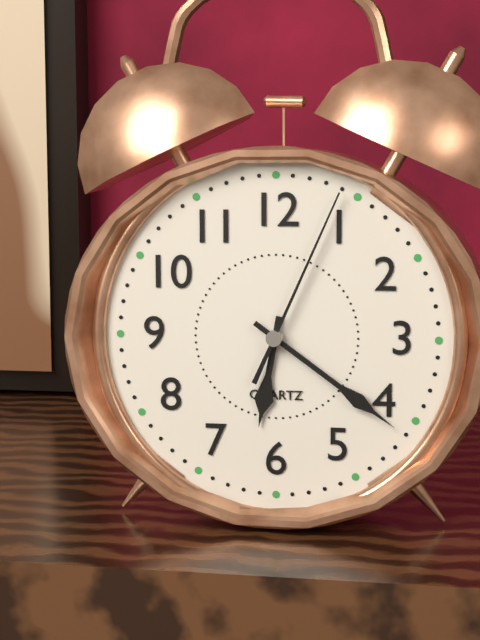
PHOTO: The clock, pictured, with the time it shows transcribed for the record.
6:21:04
